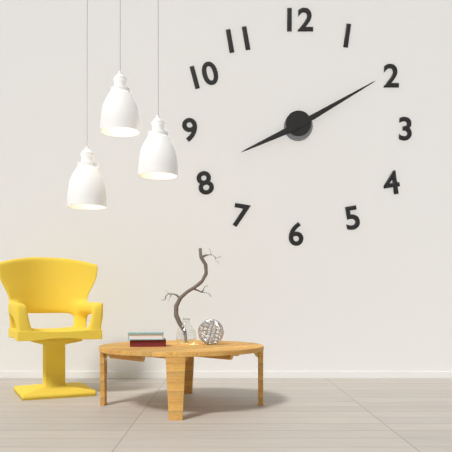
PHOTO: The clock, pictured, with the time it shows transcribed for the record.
8:10
